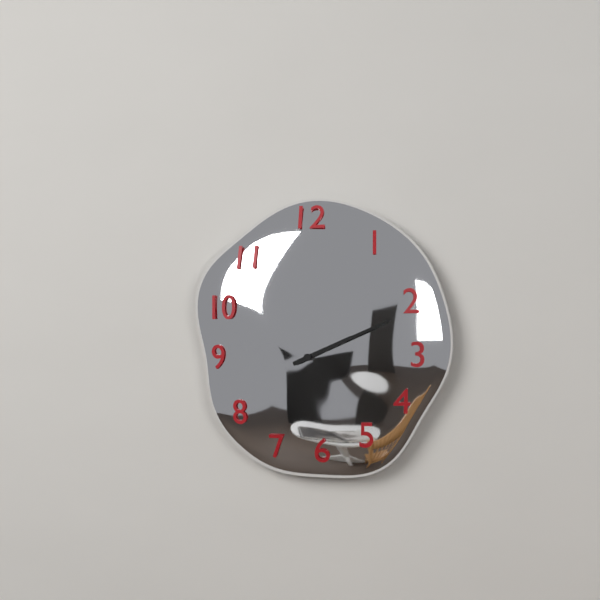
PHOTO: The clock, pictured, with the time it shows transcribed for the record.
2:11
